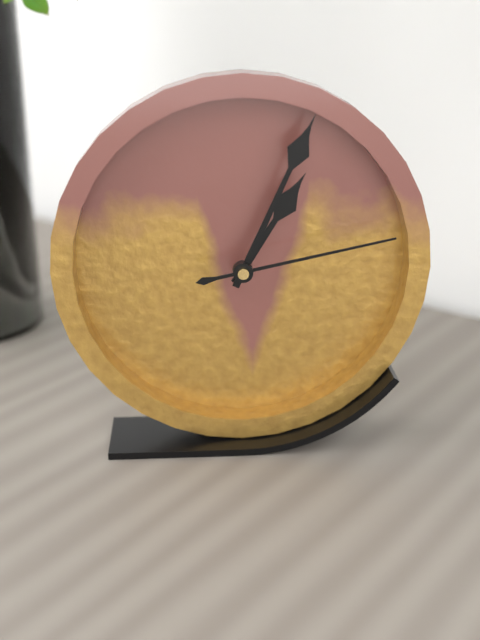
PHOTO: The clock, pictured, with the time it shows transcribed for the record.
1:04:13
